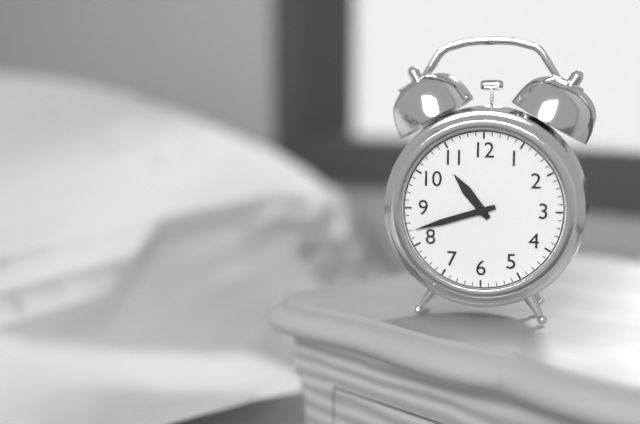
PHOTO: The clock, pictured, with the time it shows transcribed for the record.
10:42
